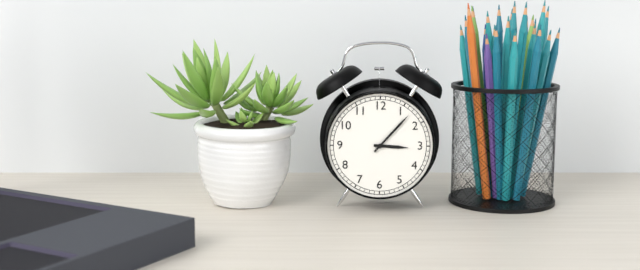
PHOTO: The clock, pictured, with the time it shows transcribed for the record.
3:07
